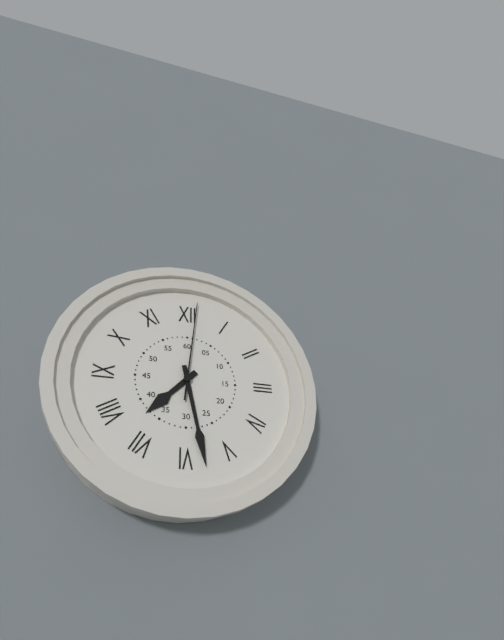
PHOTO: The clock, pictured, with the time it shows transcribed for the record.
7:28:01
